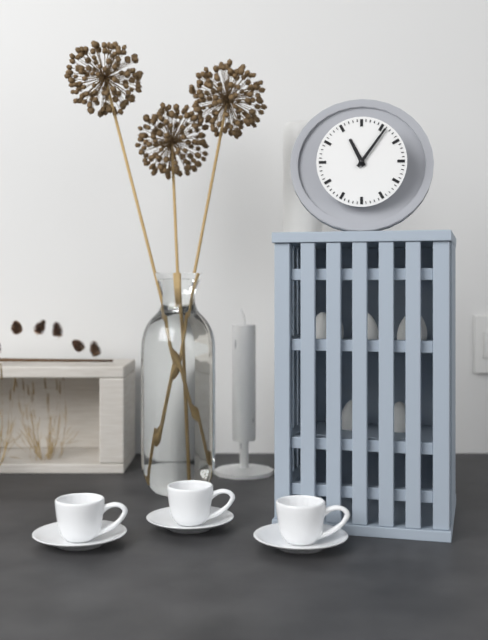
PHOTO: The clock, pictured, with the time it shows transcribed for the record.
11:06
